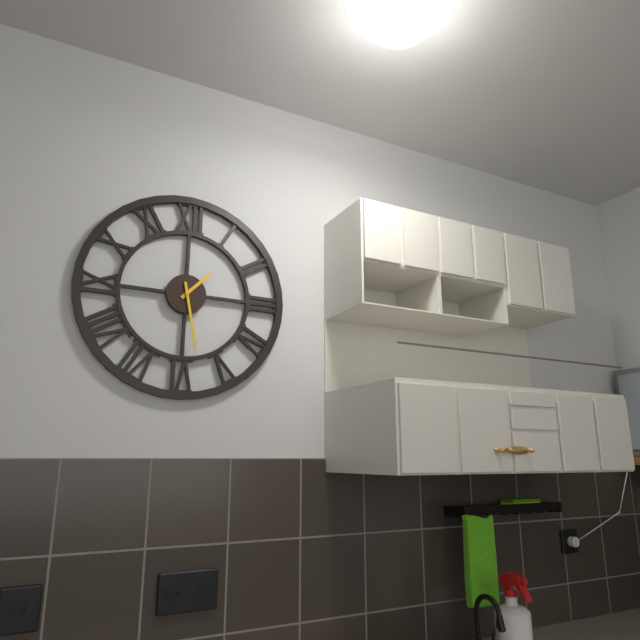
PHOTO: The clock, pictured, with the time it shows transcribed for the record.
1:28
